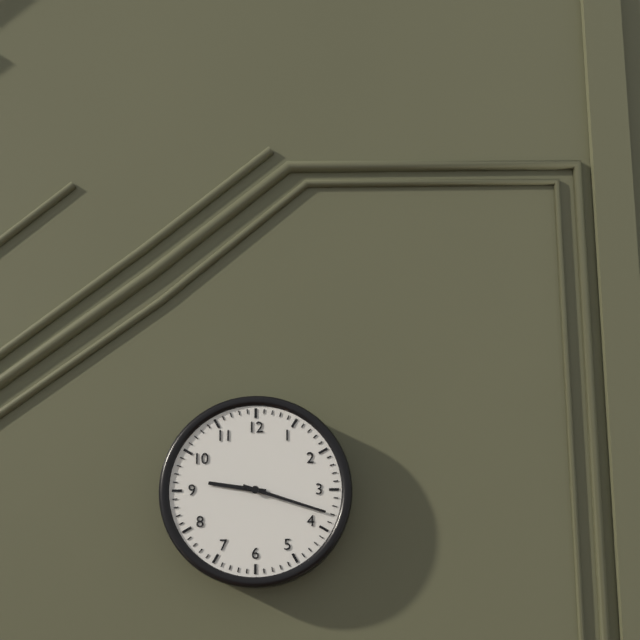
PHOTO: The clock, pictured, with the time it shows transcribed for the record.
9:18
